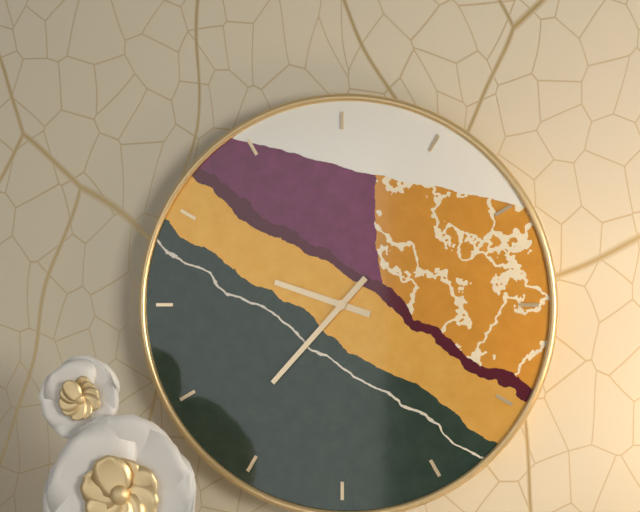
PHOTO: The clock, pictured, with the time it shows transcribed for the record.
9:37
